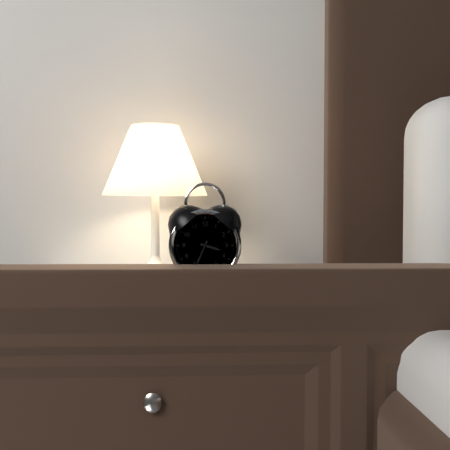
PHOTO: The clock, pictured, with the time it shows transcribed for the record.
3:34
